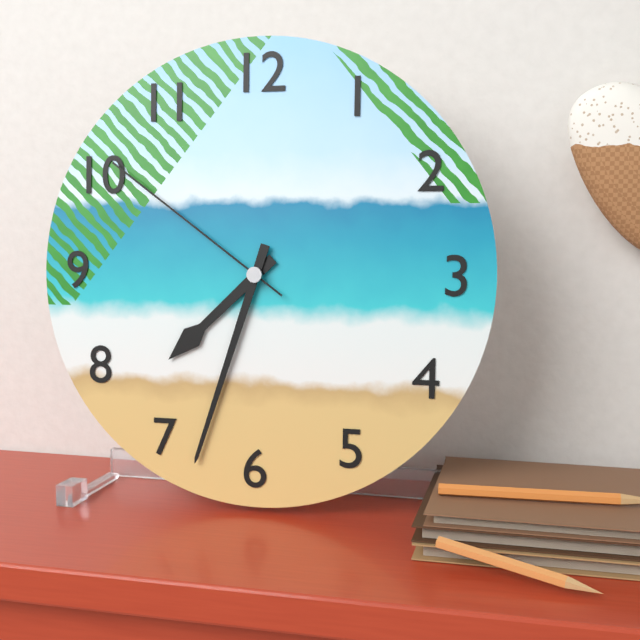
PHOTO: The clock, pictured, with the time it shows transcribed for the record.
7:33:51
